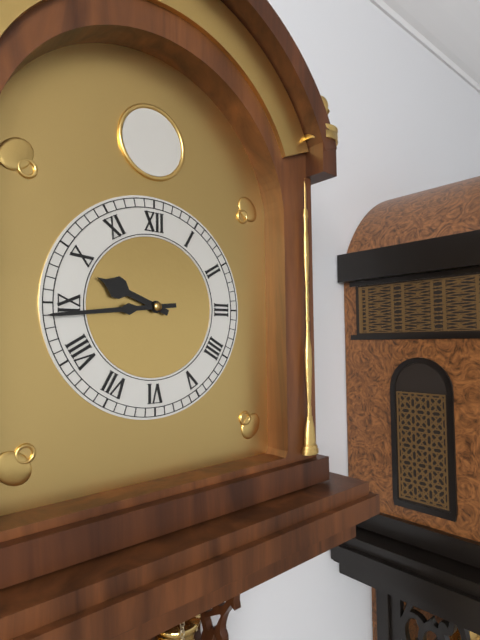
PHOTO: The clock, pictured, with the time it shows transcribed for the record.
9:44
